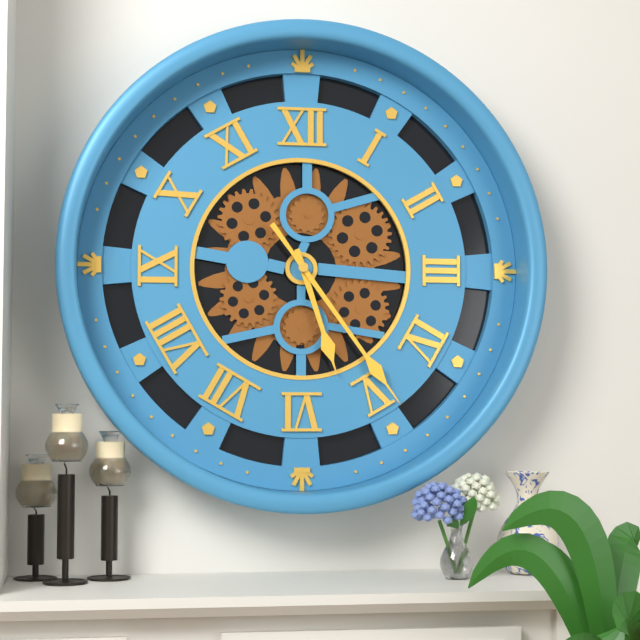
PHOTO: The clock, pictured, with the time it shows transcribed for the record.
5:24
